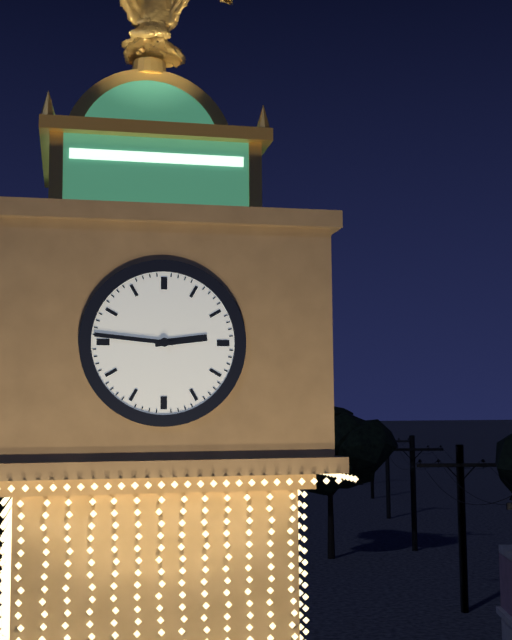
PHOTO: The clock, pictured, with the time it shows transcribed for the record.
2:46
